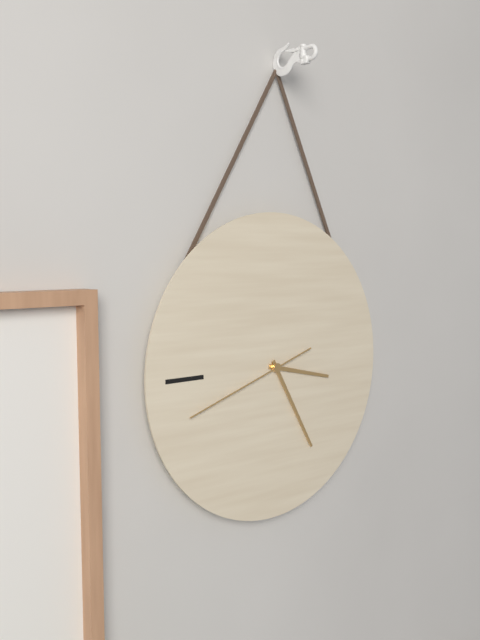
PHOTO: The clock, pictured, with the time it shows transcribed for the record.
3:25:42
